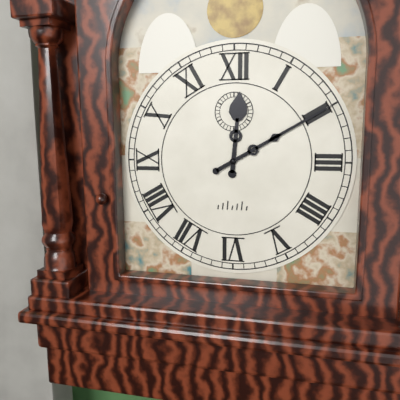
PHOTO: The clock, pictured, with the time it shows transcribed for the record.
12:10
